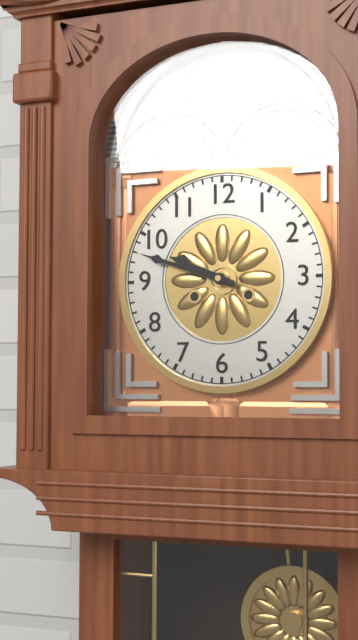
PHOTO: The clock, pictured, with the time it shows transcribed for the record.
9:48
